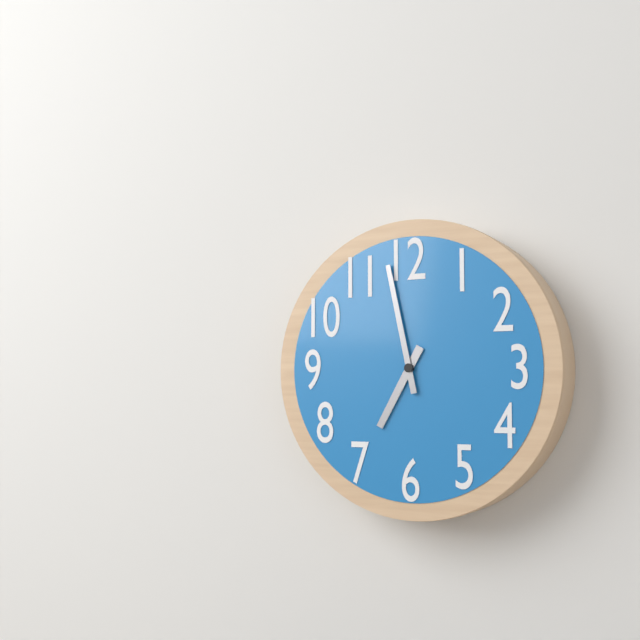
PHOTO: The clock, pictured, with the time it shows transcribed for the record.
6:58
